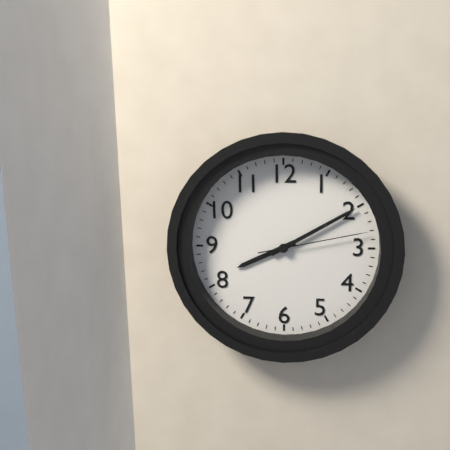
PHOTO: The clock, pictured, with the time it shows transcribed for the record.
8:10:13
